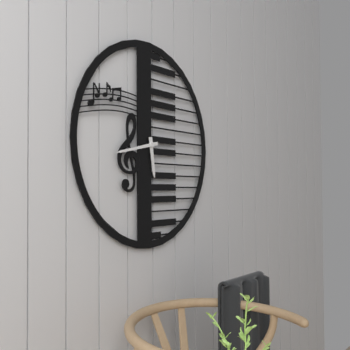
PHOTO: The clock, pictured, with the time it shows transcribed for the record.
5:43
